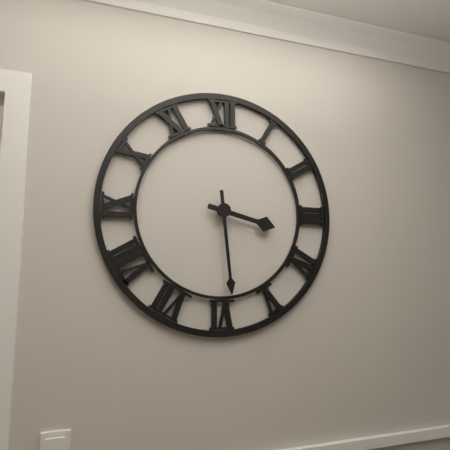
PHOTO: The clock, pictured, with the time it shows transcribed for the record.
3:29
